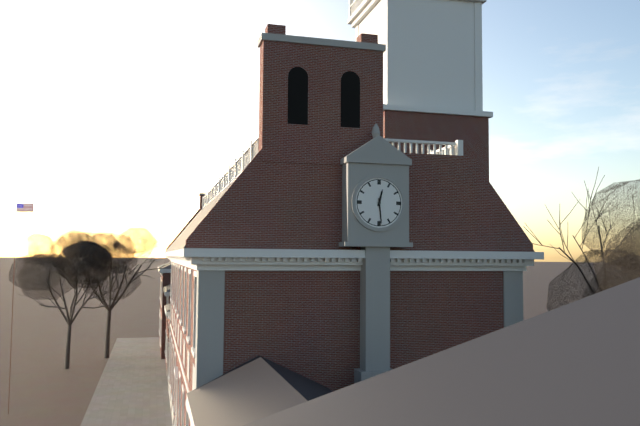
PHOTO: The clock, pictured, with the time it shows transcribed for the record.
12:29
